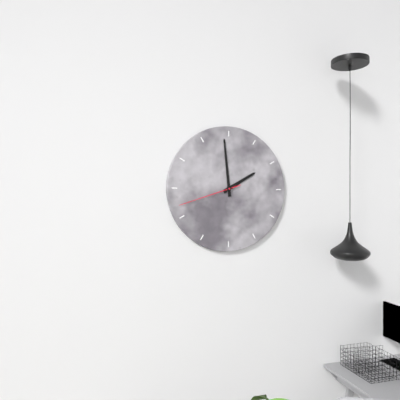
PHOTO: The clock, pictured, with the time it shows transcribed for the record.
1:59:42
